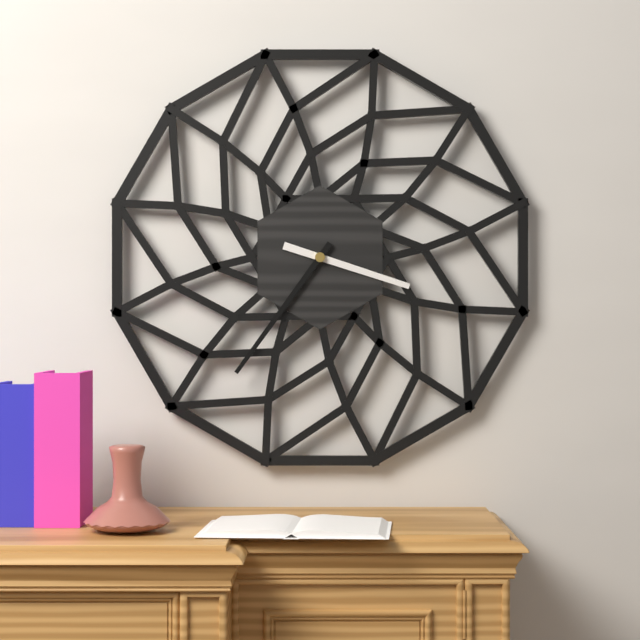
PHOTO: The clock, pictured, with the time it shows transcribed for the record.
3:36
